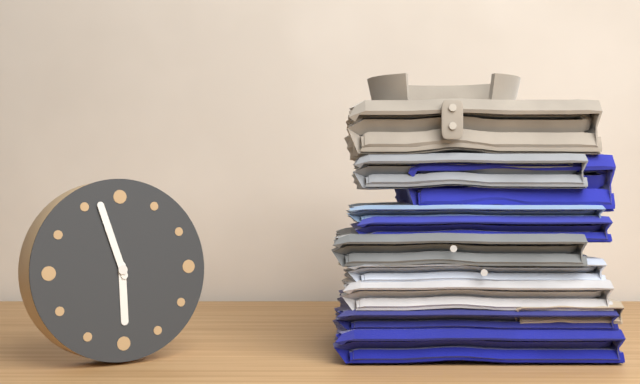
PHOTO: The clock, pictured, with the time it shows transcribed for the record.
5:57
